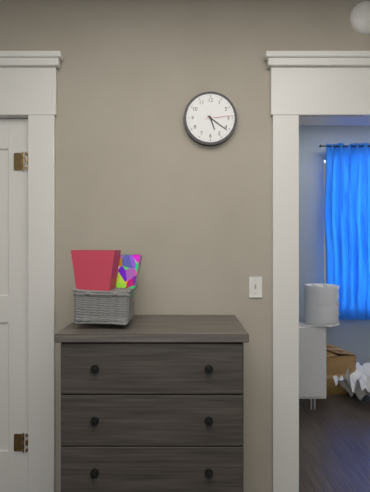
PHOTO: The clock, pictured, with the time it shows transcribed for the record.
5:21
